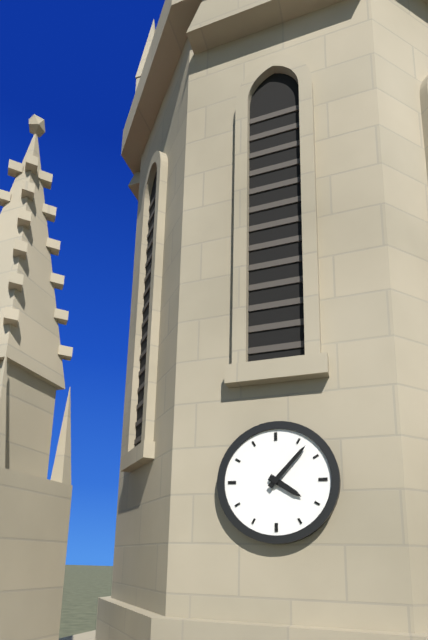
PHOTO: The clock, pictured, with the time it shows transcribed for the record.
4:07
